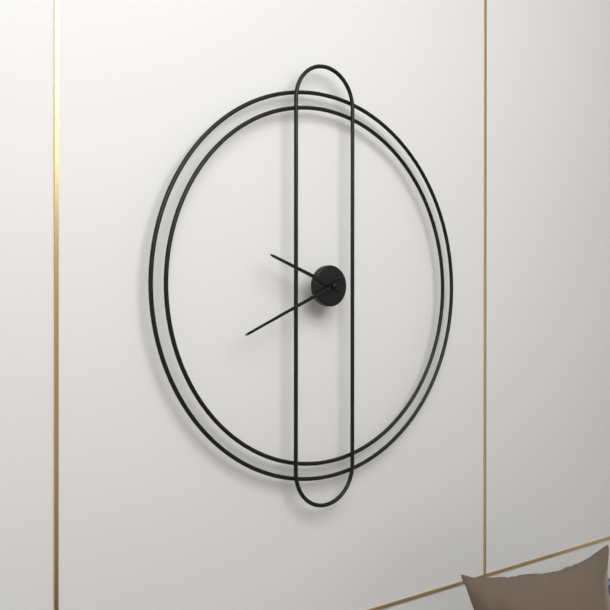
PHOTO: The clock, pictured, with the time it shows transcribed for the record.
9:41
